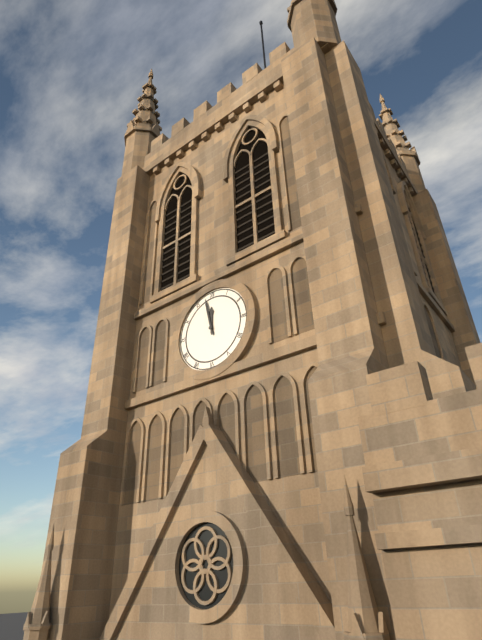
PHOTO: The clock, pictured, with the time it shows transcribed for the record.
11:58
